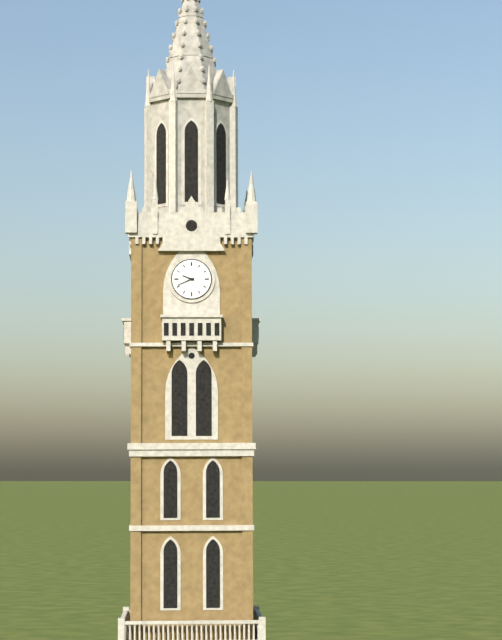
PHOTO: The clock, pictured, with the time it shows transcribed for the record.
9:41
